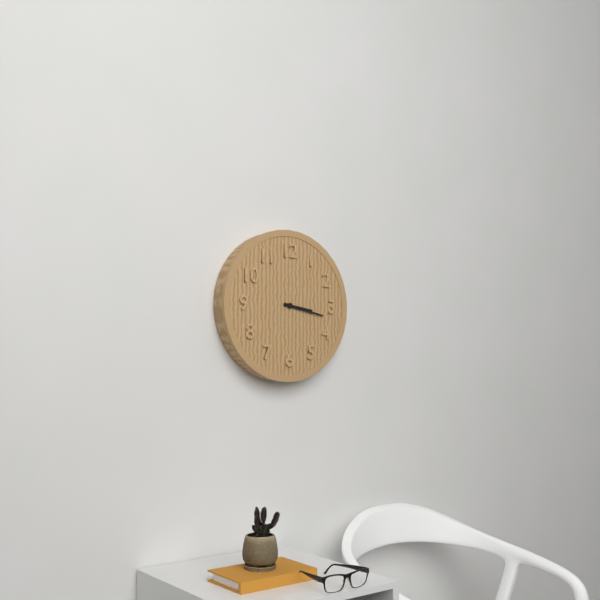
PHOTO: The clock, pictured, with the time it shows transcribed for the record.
3:17
